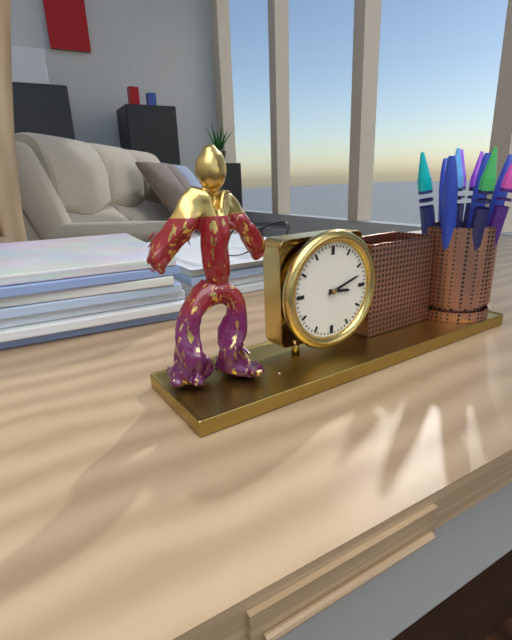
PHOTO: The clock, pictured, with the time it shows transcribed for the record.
3:12
